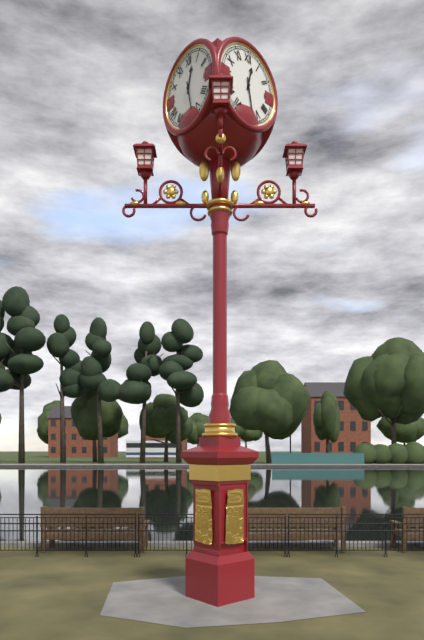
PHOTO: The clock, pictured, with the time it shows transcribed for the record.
12:28
